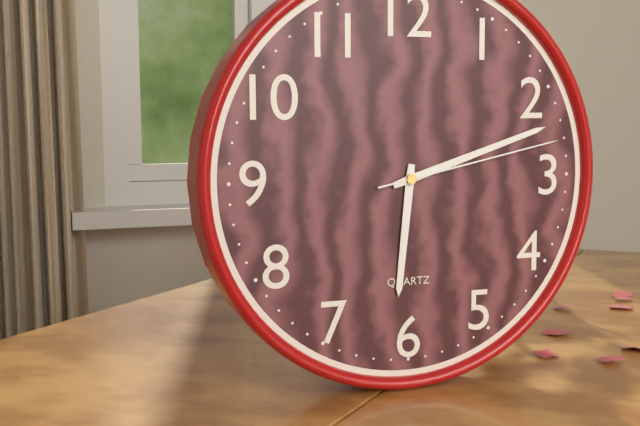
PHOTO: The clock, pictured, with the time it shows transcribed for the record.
6:12:13
